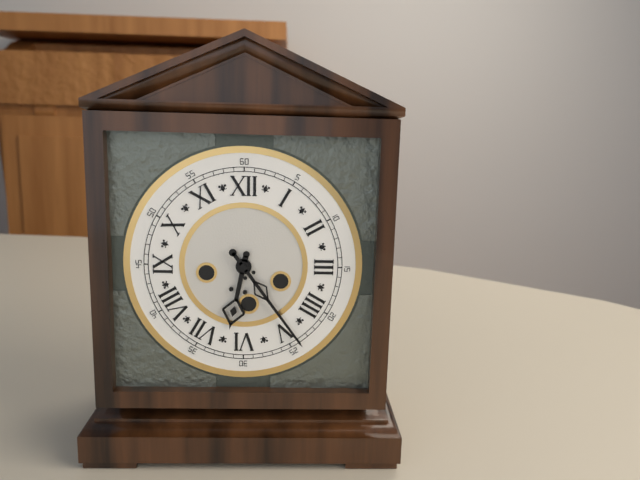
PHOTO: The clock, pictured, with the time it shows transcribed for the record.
6:24
